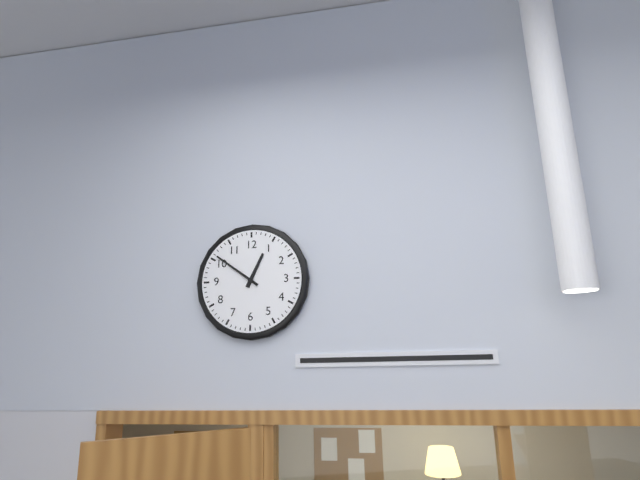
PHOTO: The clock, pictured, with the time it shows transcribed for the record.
12:51
